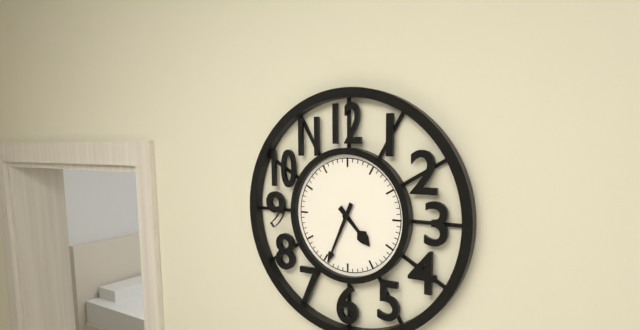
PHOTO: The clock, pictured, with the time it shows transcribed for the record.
4:34
